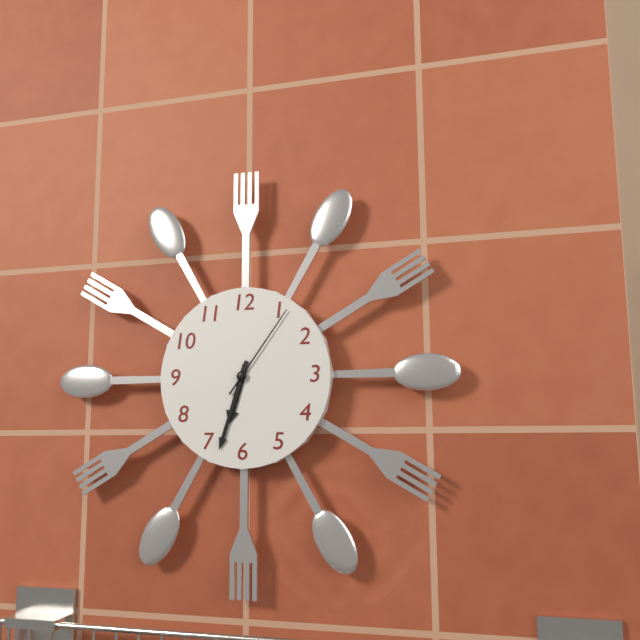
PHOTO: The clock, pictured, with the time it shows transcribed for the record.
6:33:06
